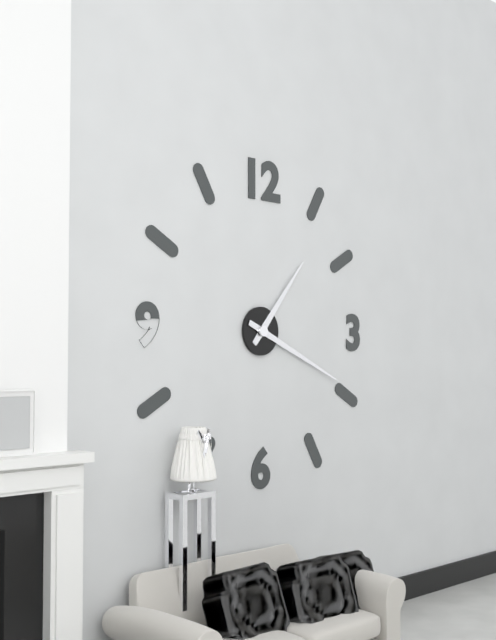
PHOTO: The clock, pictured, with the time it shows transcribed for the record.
1:19
